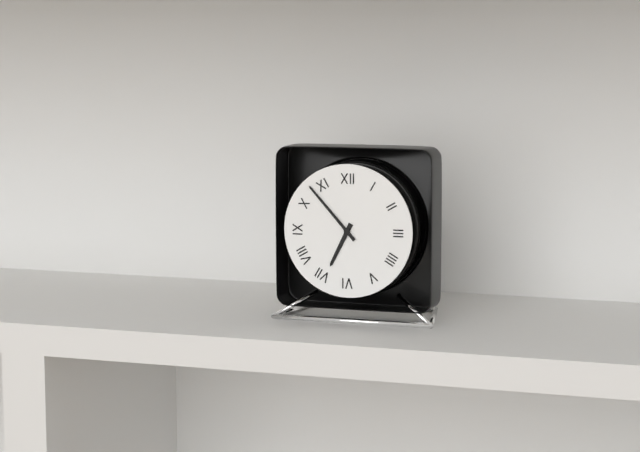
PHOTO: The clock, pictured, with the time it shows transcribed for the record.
6:53
